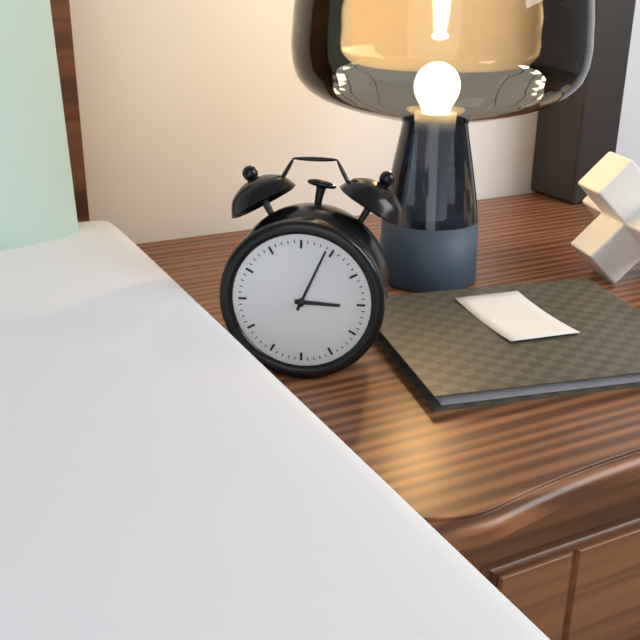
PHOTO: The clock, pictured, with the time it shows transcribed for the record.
3:04
